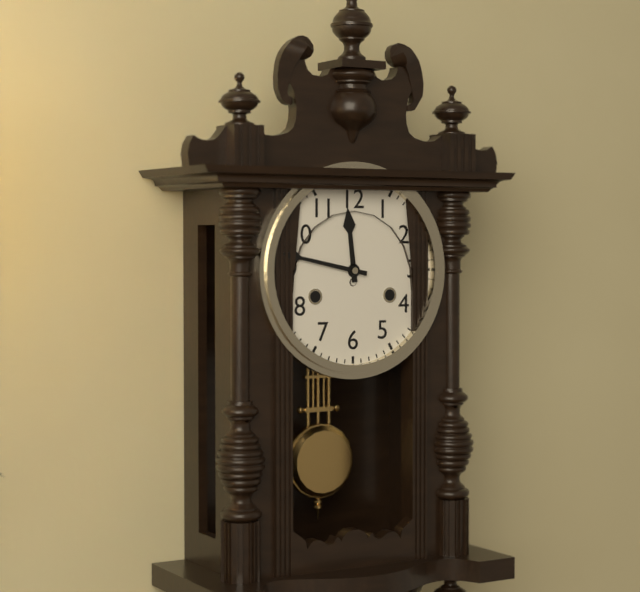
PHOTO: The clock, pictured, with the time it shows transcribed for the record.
11:47
